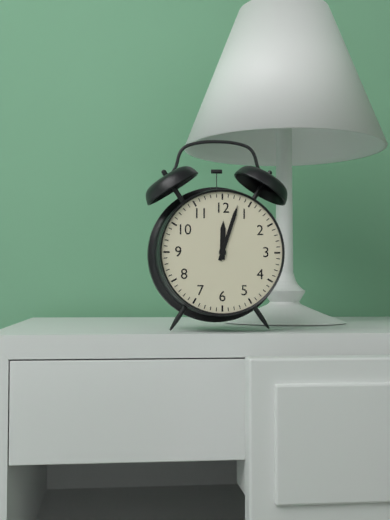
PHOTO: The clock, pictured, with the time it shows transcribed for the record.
12:03
